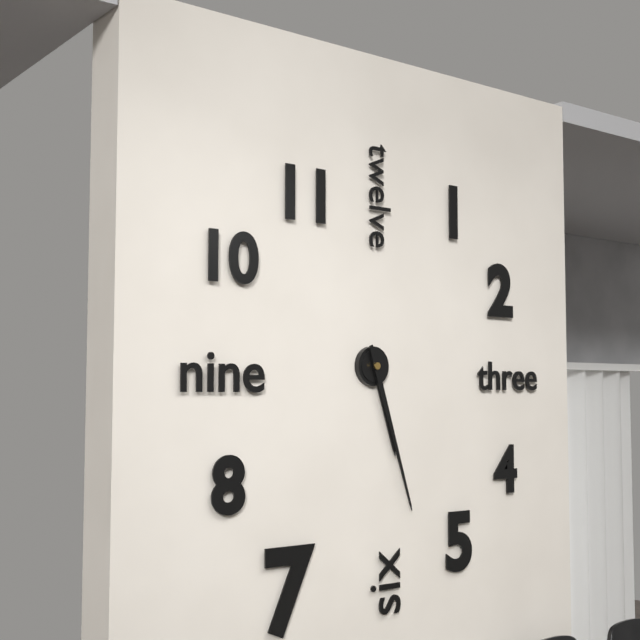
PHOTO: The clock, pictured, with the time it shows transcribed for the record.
5:27
